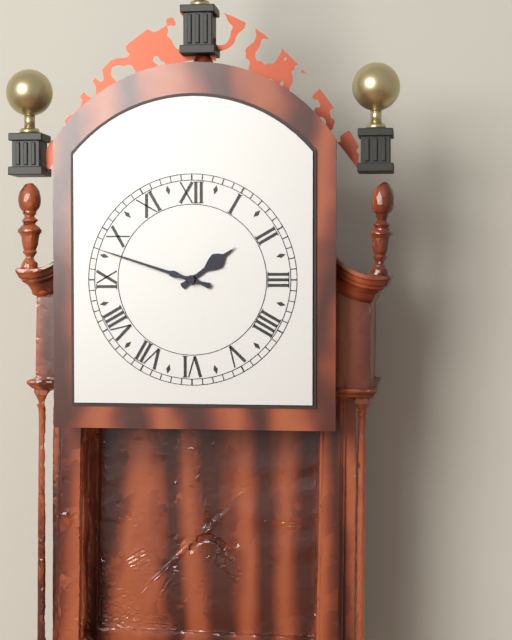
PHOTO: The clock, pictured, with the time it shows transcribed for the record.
1:48
